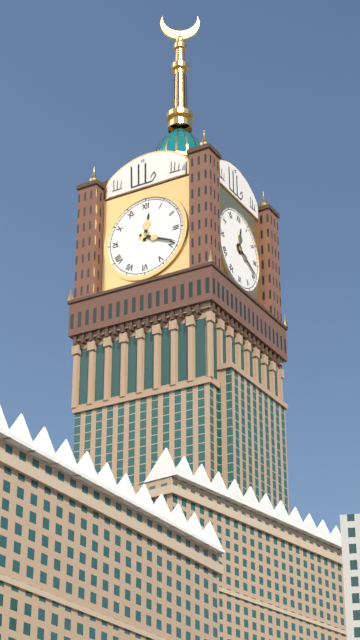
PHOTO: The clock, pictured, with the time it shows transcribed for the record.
12:19
